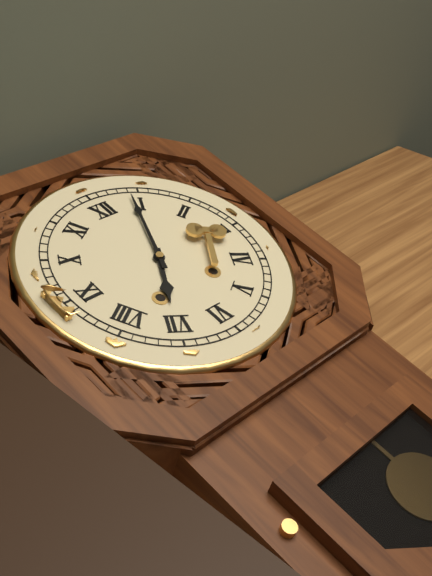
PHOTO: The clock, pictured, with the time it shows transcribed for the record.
7:04
